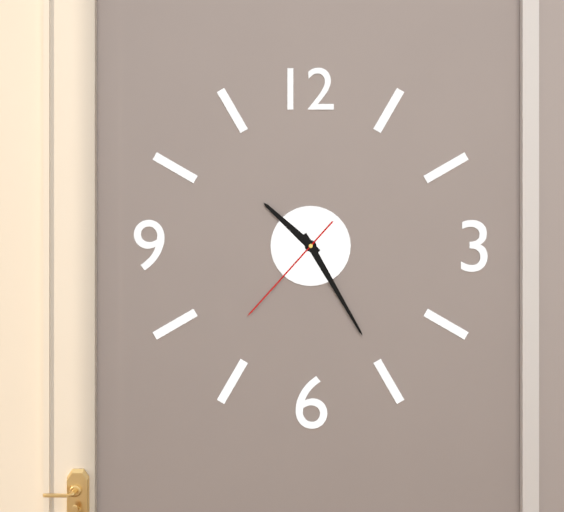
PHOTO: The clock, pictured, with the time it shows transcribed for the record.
10:25:37
